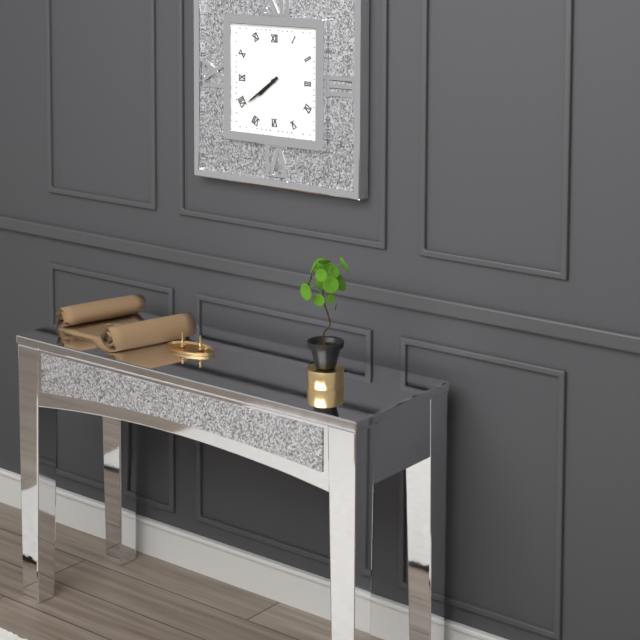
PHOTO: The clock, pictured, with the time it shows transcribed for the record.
7:39
